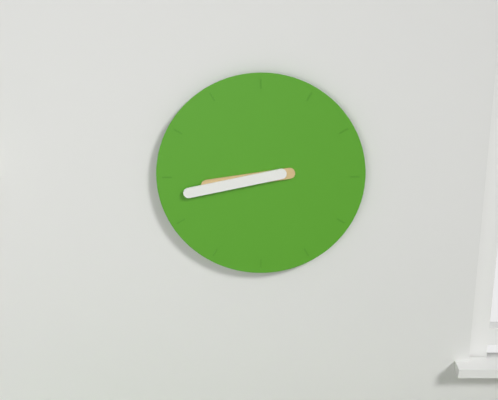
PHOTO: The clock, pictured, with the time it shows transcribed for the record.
8:43
